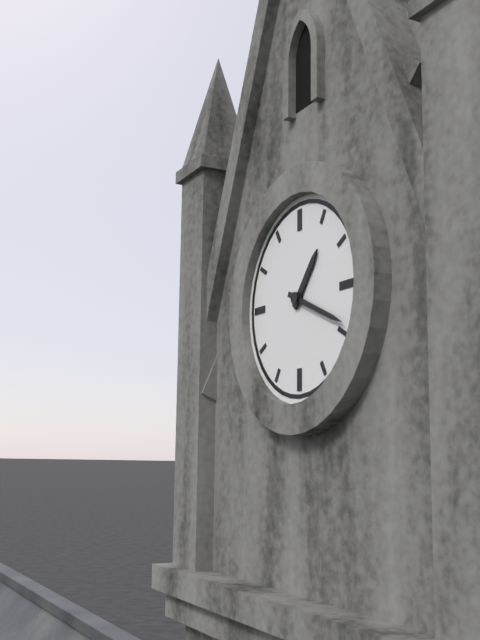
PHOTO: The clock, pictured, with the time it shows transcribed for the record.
1:19
